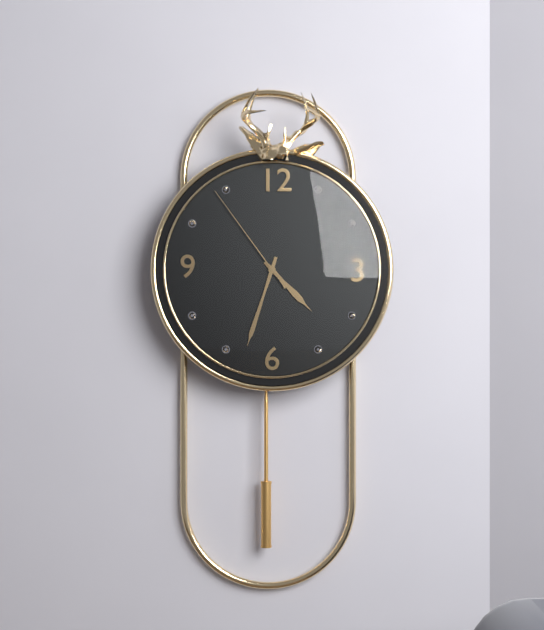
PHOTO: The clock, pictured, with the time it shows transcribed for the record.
4:33:54
